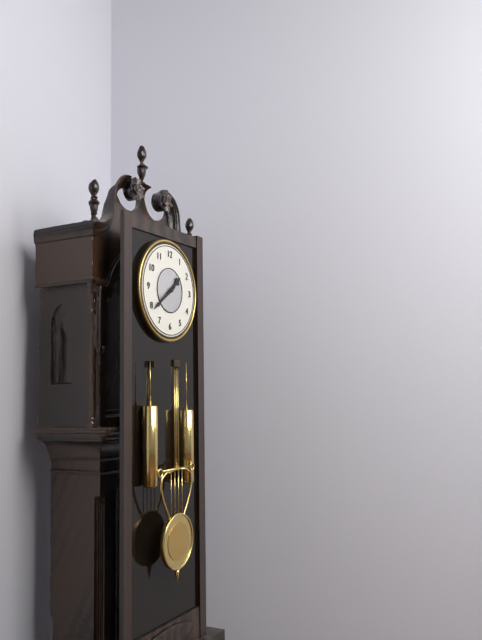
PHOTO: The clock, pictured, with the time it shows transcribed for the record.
1:39
